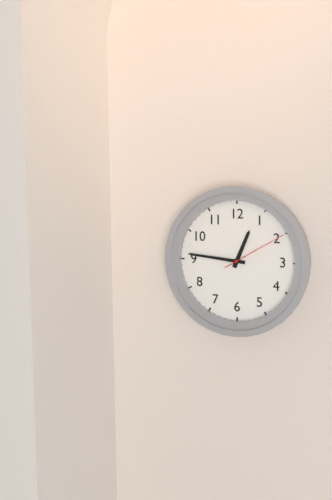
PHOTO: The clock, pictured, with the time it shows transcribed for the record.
12:46:10
